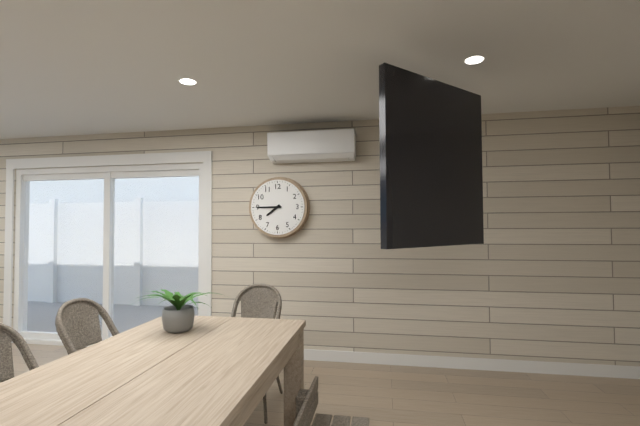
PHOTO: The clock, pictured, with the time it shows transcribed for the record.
7:45
